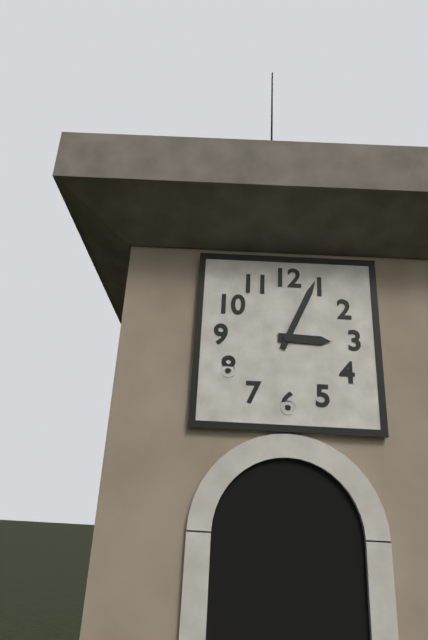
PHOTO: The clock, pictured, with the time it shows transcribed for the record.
3:04
